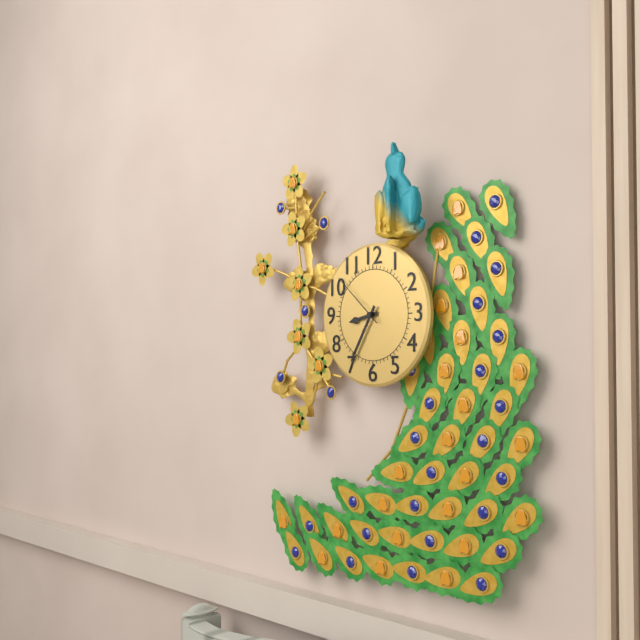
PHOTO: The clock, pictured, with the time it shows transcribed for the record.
8:35:52
